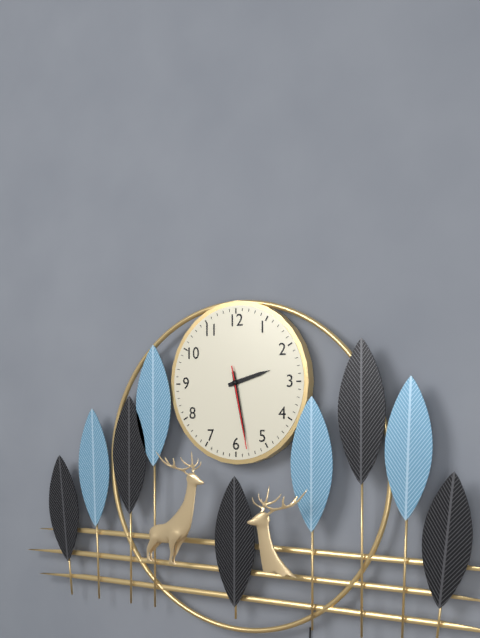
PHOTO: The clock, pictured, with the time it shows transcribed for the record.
2:28:28
